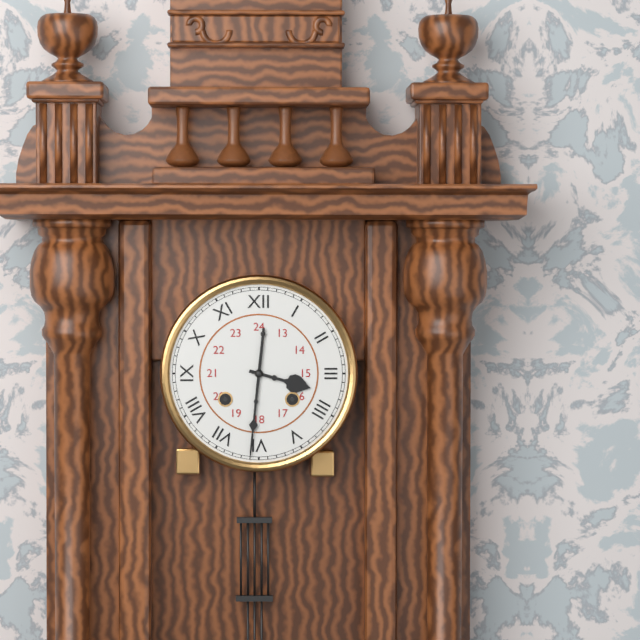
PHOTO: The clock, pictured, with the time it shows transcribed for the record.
3:31
